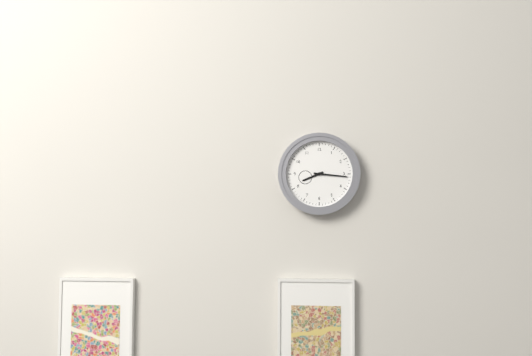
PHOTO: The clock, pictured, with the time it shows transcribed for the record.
8:16
